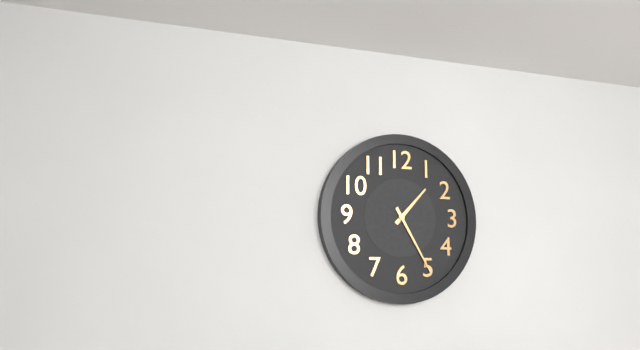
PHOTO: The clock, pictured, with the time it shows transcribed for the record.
1:25
